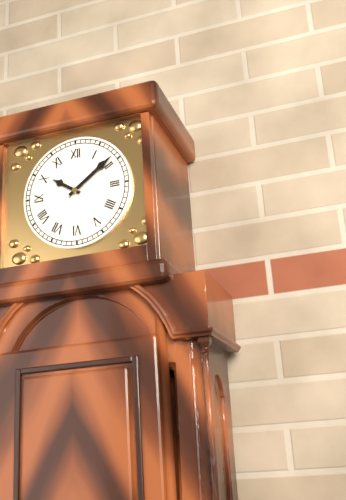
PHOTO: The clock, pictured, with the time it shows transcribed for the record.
10:09
